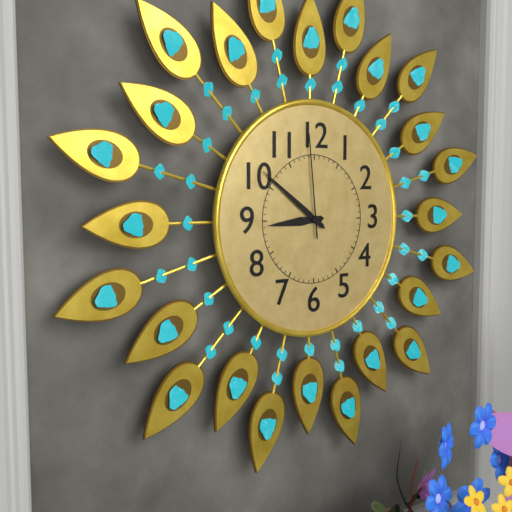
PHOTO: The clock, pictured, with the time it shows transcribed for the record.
8:51:59
